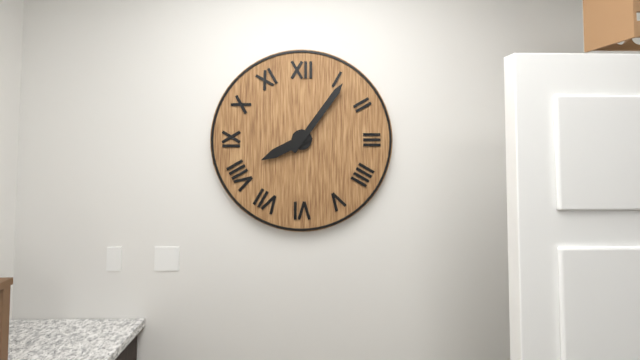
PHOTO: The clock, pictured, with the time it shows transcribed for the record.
8:06
